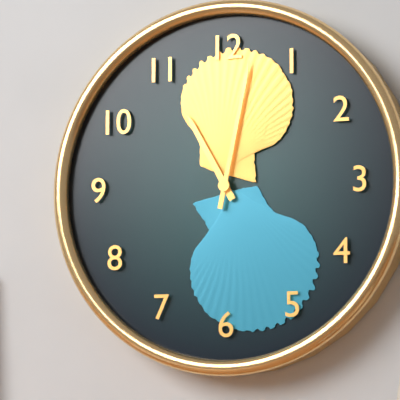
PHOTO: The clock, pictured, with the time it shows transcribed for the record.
11:02
